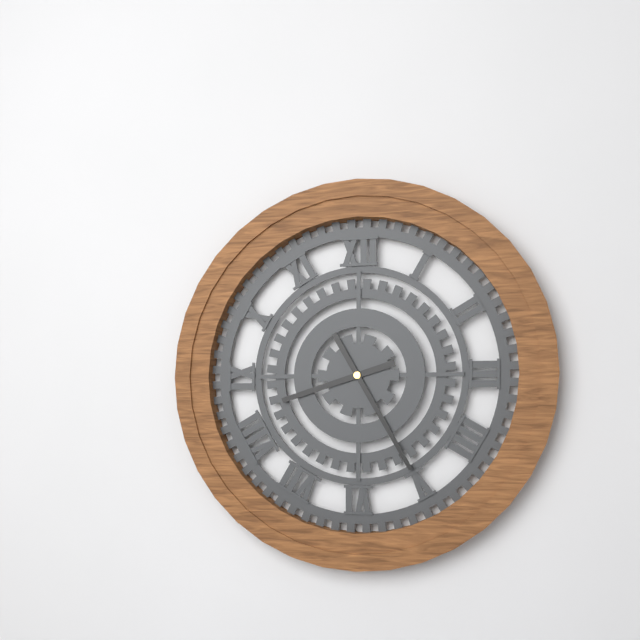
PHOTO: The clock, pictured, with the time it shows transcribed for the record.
8:25
